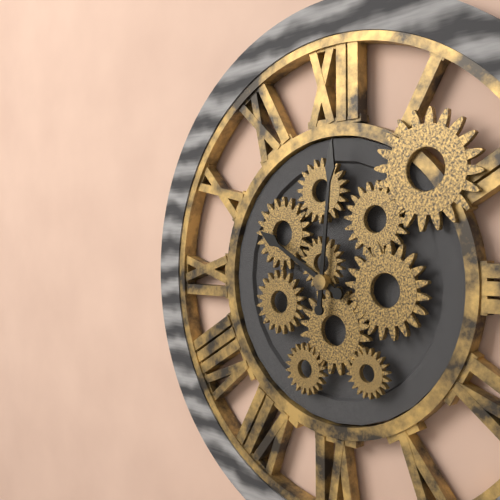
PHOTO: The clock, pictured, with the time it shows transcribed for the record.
10:01
